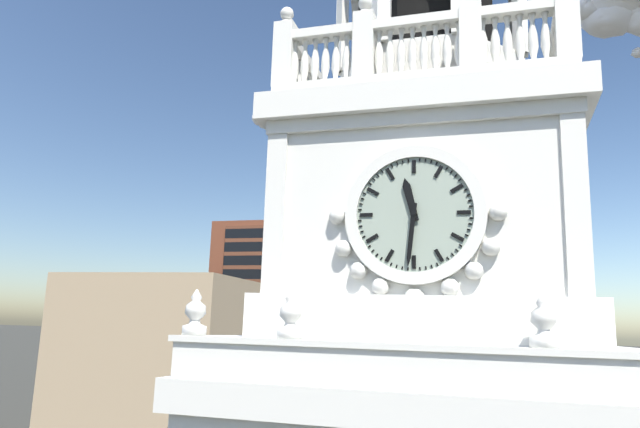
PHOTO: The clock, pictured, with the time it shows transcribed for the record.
11:31
